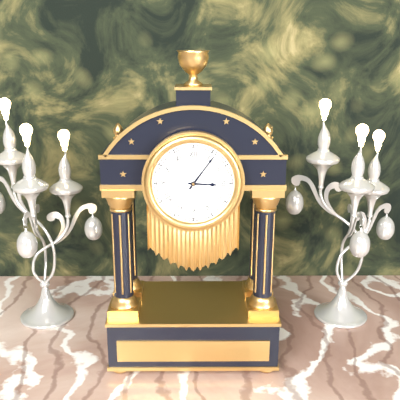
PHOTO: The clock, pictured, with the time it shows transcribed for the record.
3:06
